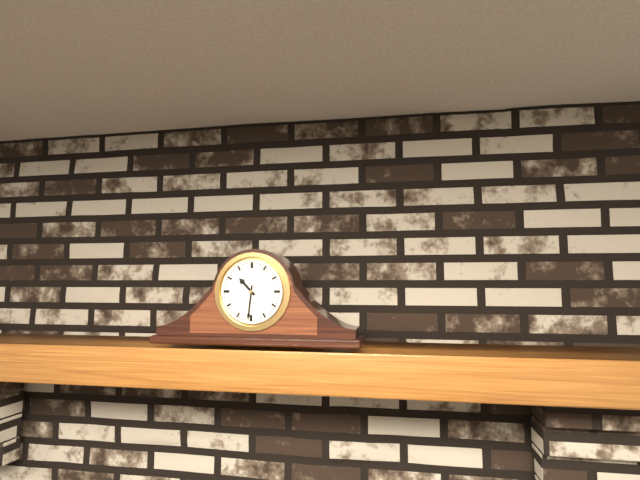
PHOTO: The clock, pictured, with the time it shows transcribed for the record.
10:31
